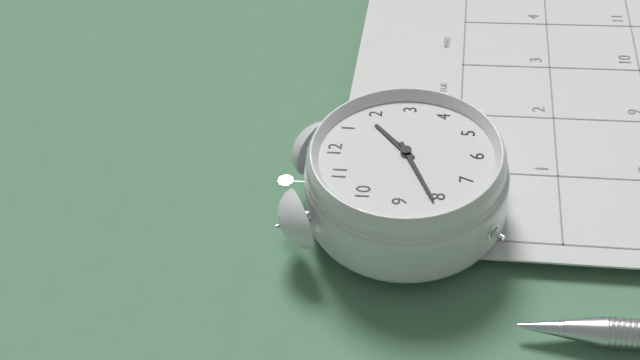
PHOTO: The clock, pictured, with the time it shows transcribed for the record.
1:41
